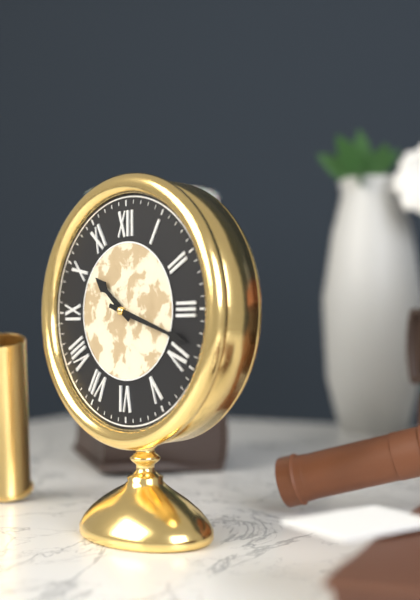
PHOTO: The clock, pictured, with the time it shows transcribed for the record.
10:18
